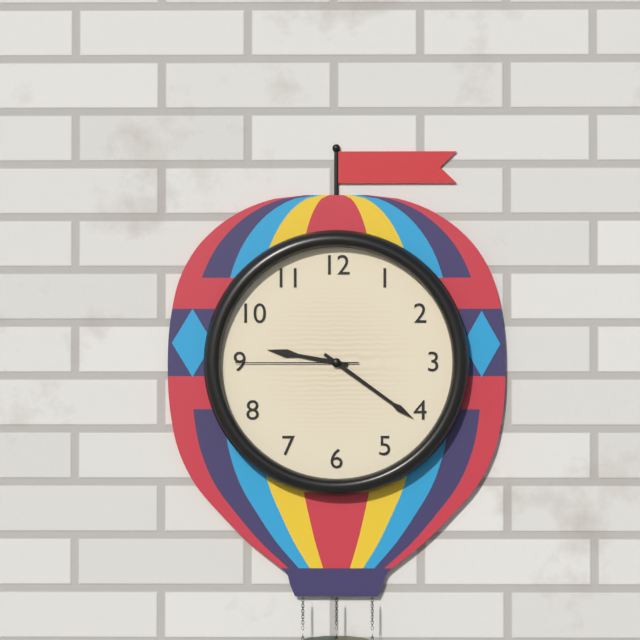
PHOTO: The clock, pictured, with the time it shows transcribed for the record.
9:21:45
